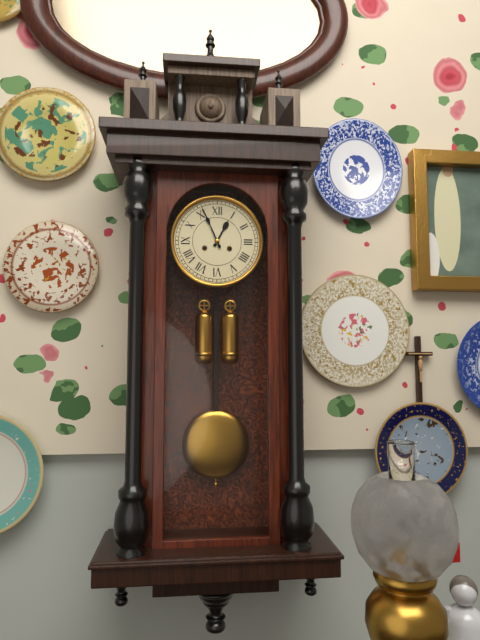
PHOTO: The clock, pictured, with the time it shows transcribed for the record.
12:56
